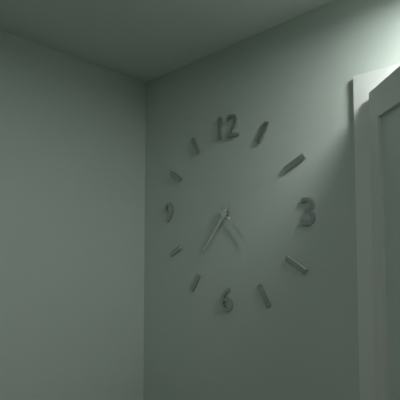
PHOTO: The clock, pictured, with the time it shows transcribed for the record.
4:36
